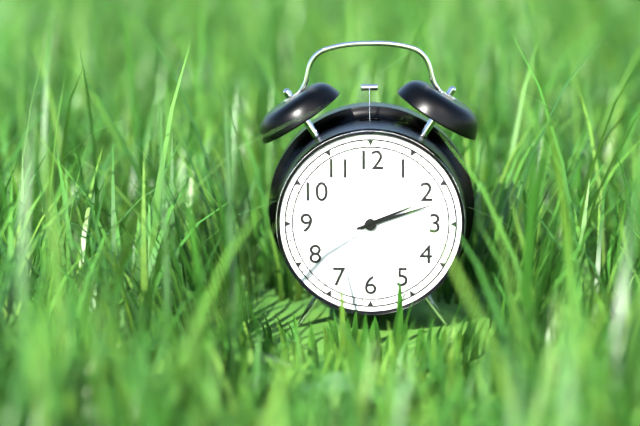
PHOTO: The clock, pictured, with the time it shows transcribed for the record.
2:12
